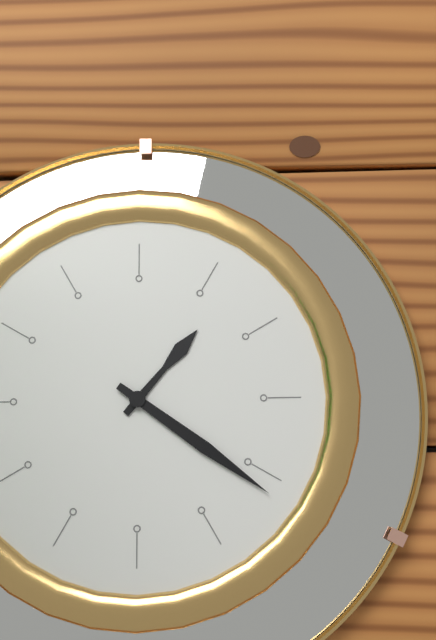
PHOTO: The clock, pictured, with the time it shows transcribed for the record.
1:21
